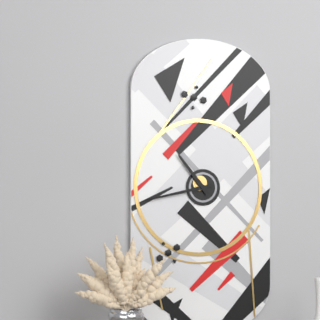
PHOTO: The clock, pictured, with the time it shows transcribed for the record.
10:43
